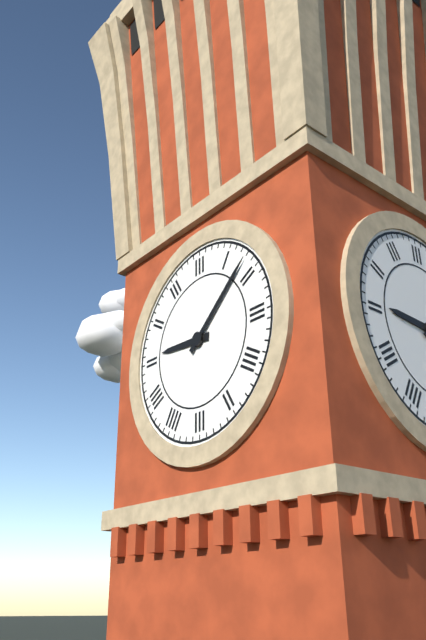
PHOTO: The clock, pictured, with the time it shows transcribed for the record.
9:08
